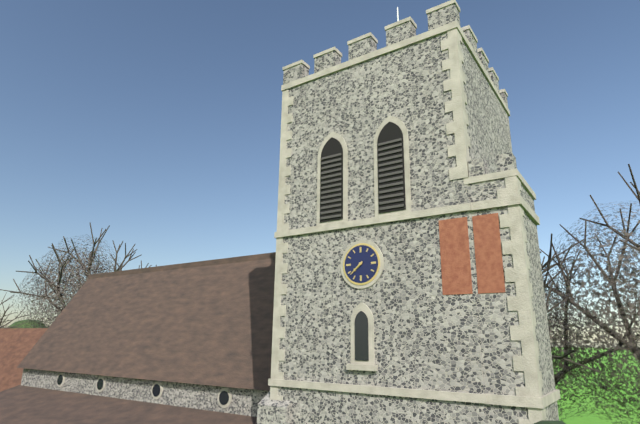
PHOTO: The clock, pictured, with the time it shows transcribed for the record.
7:38
